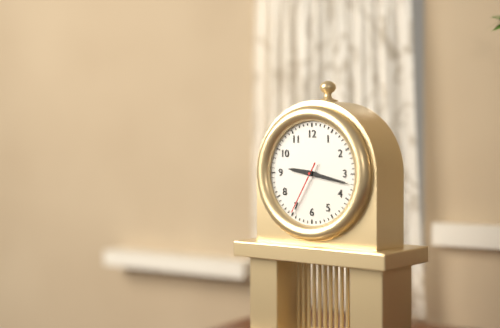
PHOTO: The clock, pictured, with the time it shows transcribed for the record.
9:17:35
